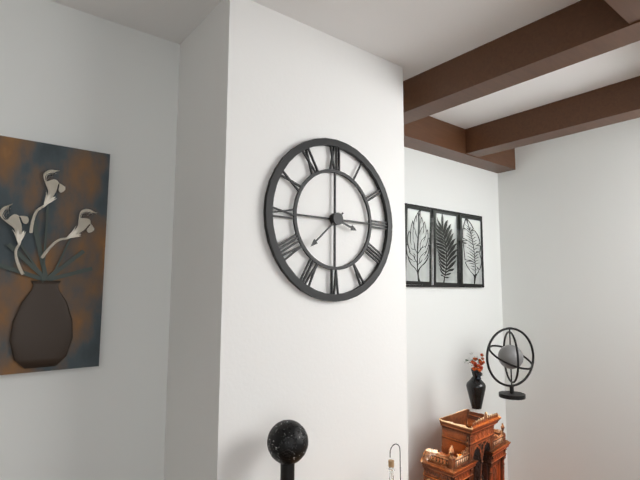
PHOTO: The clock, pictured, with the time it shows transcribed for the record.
3:38
